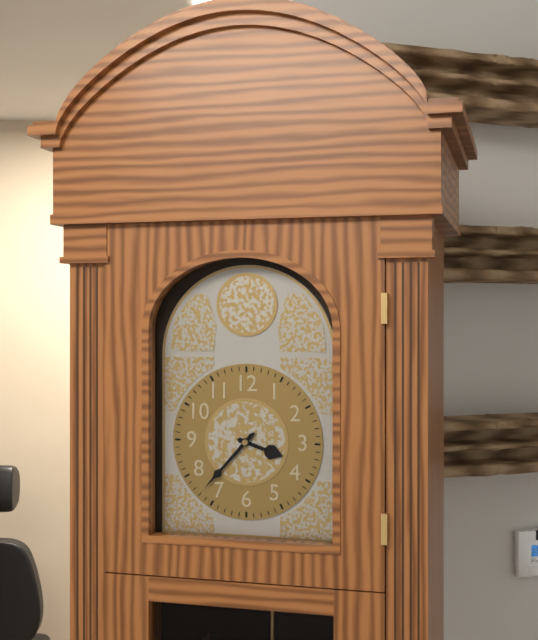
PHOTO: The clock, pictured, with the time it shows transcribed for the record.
3:37
